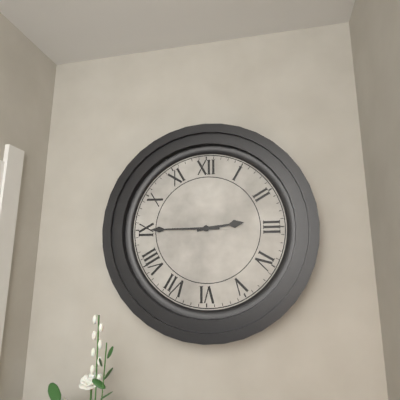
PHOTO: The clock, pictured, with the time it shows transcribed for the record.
2:45
